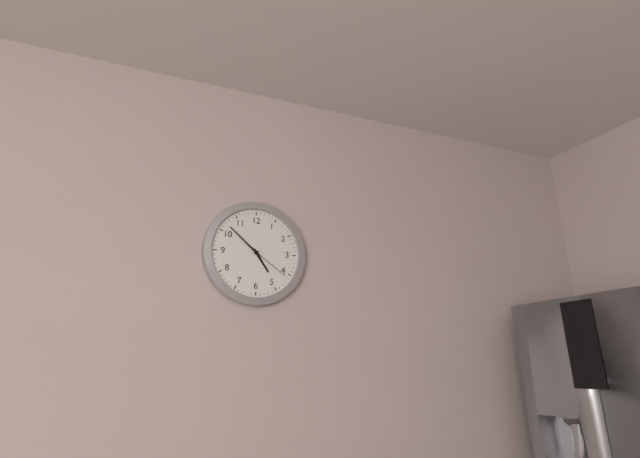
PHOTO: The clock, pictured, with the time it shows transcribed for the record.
4:52
